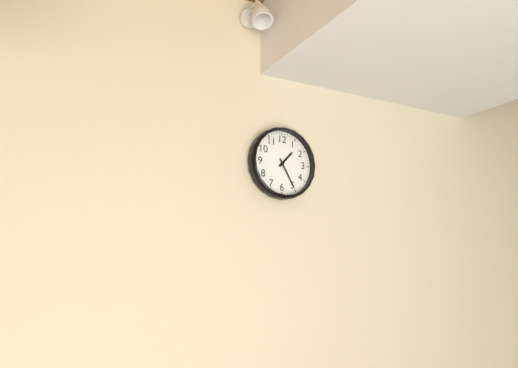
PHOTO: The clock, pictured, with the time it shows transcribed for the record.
1:25
